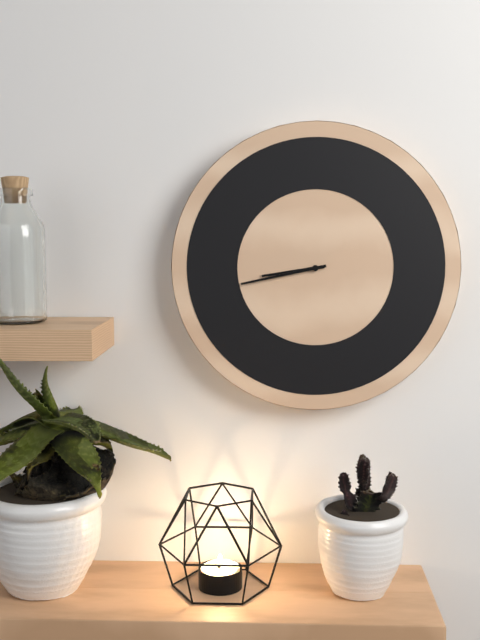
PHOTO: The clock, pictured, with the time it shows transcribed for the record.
8:43
